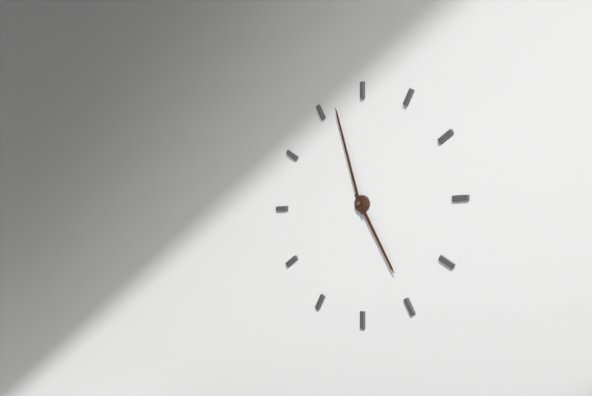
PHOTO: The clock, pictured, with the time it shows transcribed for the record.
4:57
